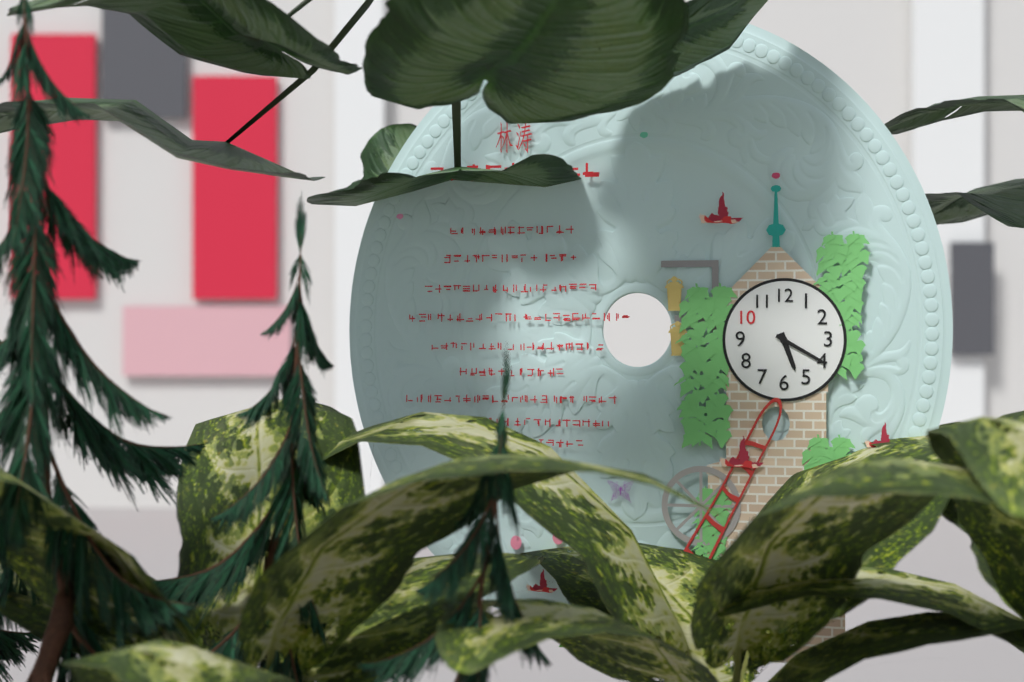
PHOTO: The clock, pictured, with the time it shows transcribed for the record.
5:20
